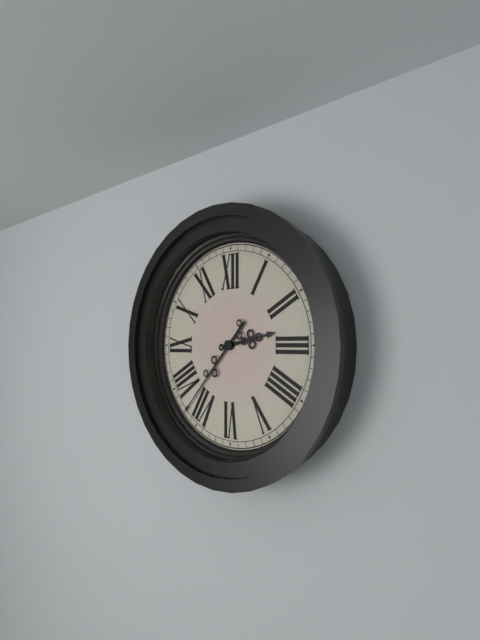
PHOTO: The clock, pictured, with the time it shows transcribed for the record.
2:37
